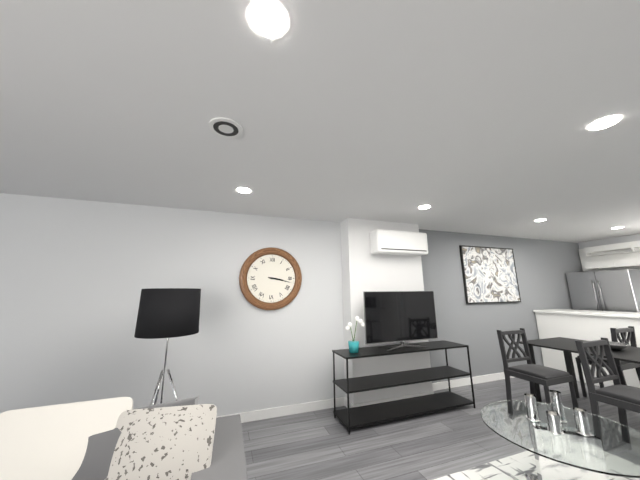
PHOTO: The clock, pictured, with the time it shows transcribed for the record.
3:17
